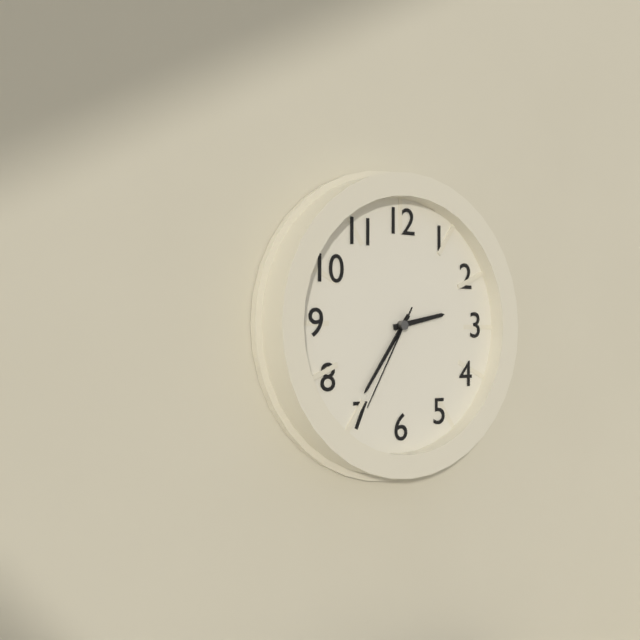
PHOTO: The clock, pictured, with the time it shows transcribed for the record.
2:36:35
